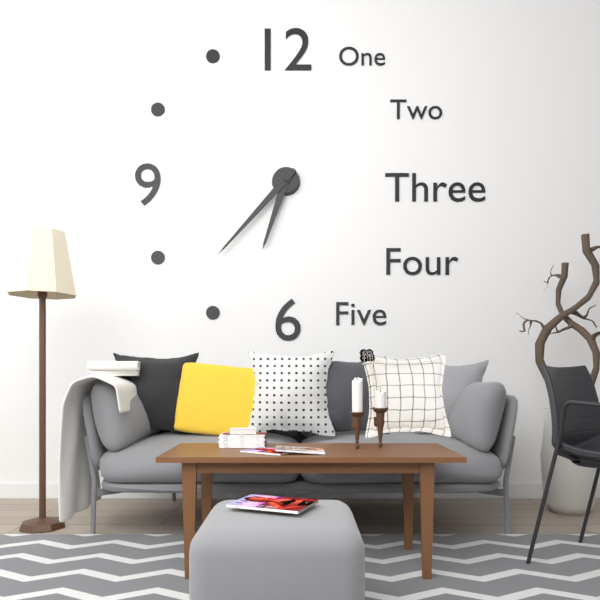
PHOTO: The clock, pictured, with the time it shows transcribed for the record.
6:37
